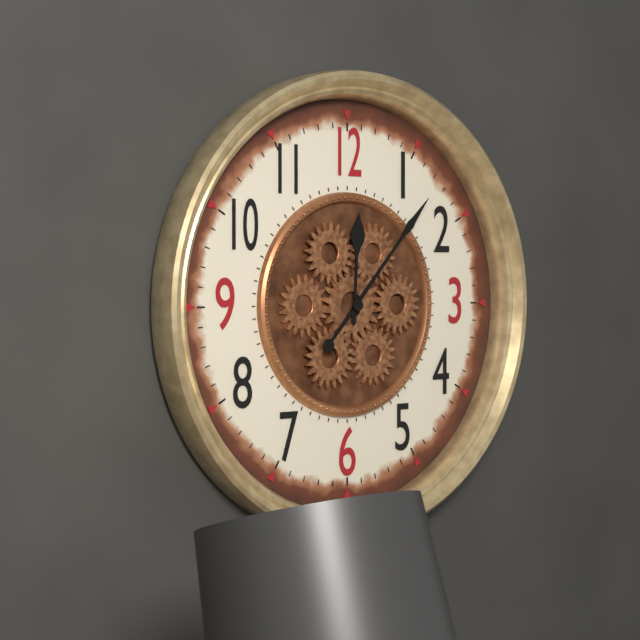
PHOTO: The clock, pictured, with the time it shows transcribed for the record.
12:07
